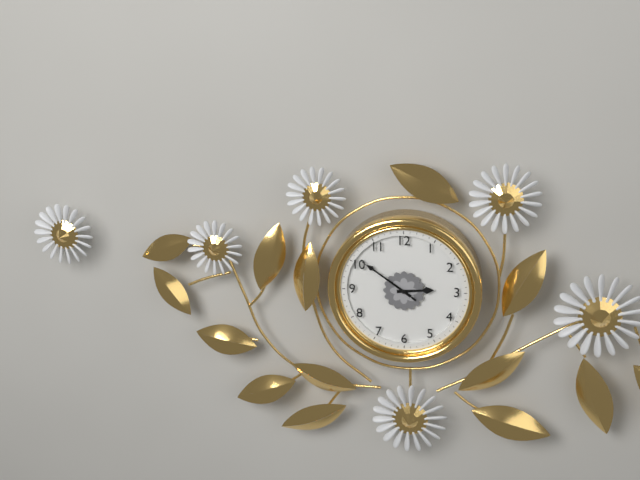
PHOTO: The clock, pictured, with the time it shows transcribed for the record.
2:51:51
